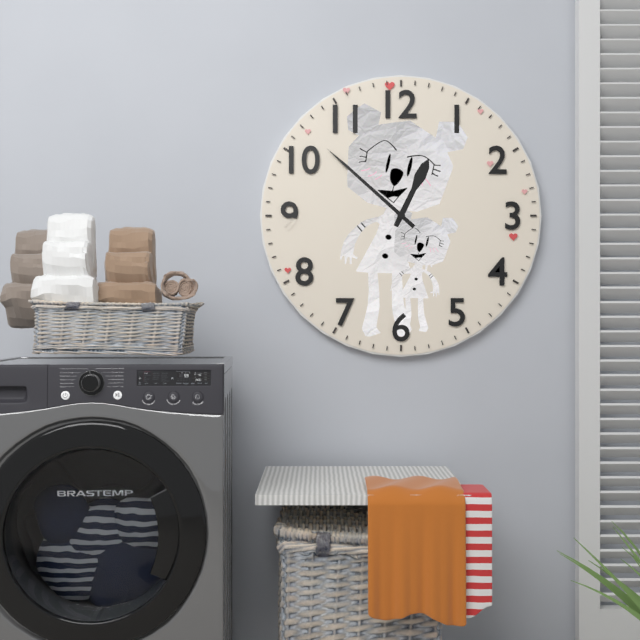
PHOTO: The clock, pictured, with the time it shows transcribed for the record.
12:52
